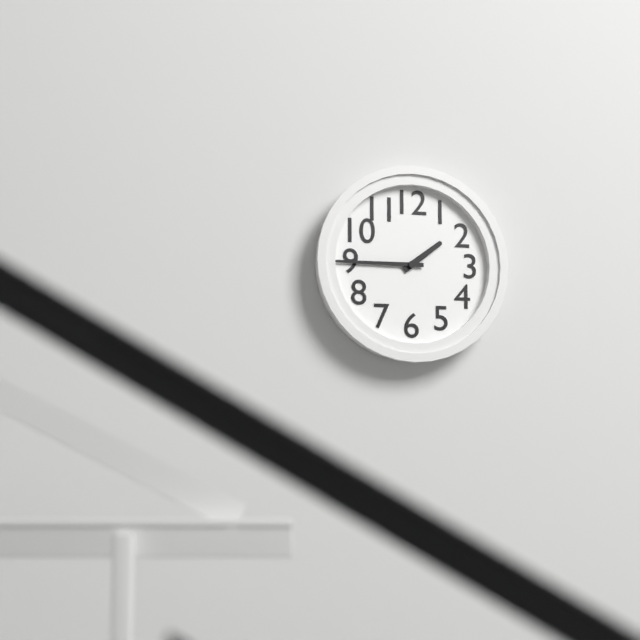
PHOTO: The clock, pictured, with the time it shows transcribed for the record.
1:45
